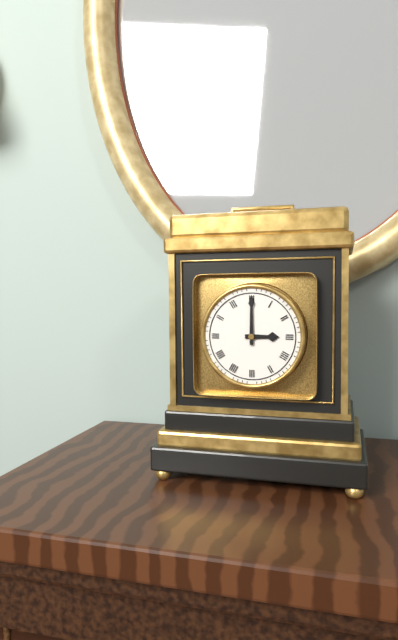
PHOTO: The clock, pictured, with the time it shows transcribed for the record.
3:00
